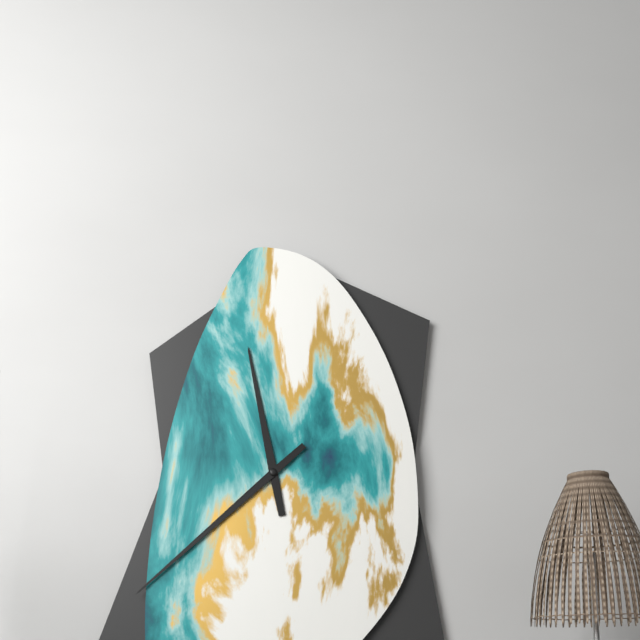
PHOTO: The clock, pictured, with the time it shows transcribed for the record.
11:38
